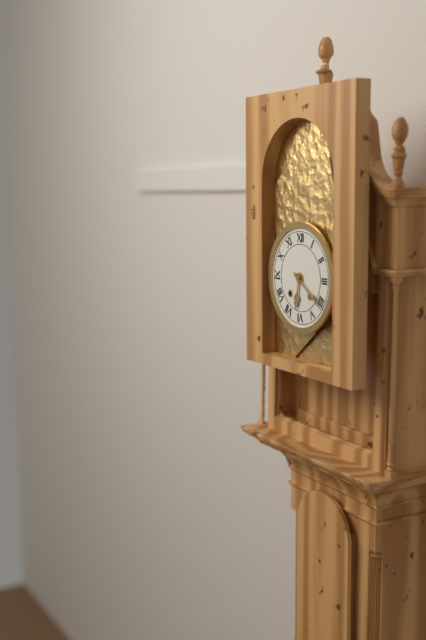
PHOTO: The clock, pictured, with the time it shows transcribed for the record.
6:21
